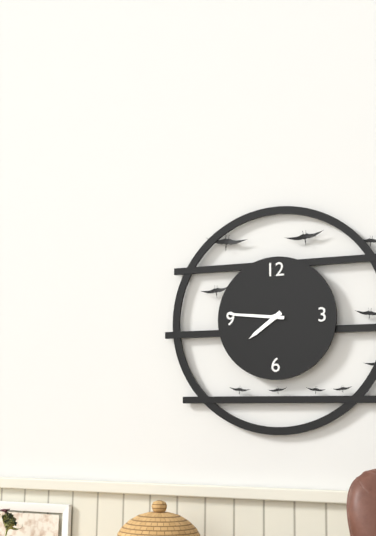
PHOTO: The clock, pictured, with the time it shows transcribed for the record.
7:46
